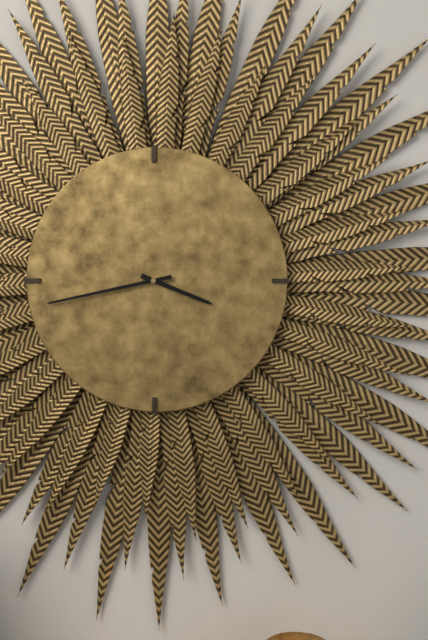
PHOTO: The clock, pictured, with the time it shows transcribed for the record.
3:43
